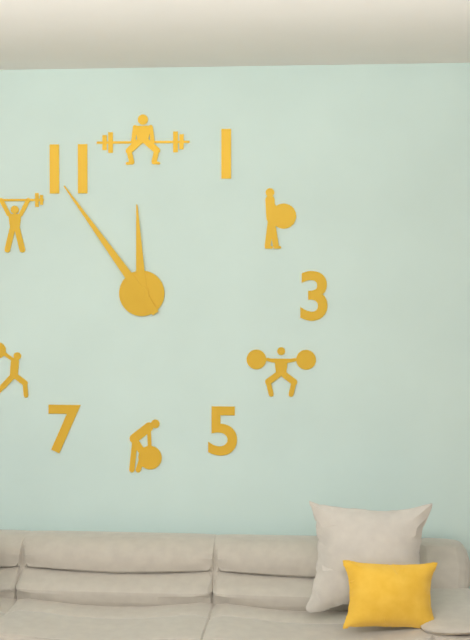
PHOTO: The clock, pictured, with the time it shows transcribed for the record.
11:54
